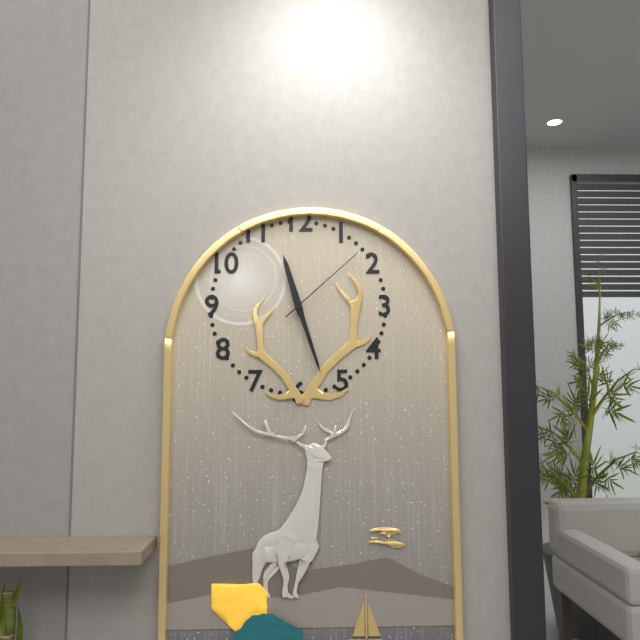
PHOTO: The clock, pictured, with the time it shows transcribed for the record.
11:27:08
